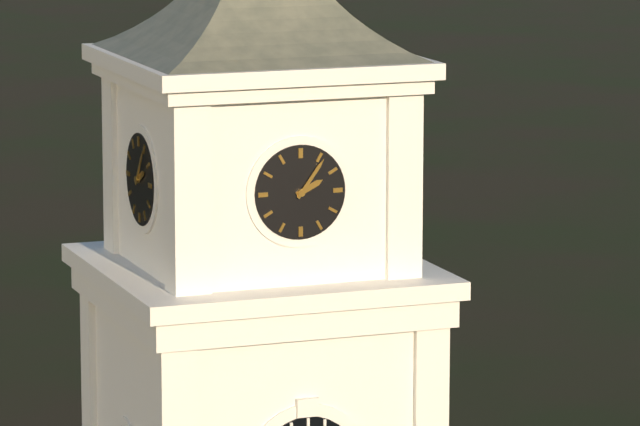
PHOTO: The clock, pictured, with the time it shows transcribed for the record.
2:06
